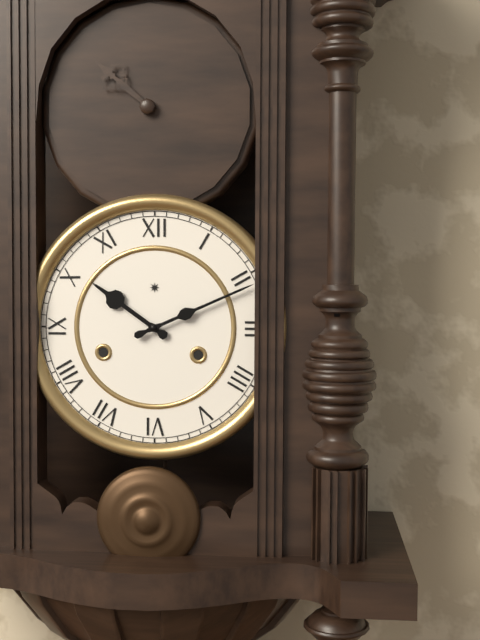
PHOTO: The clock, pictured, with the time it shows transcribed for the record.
10:11
